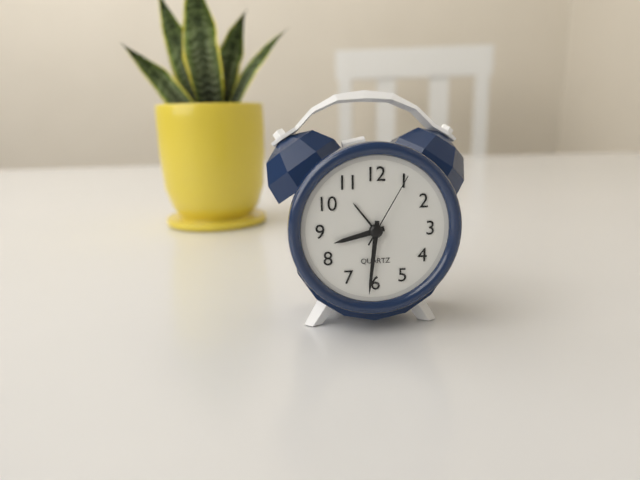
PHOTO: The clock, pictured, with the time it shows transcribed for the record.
8:31:05
